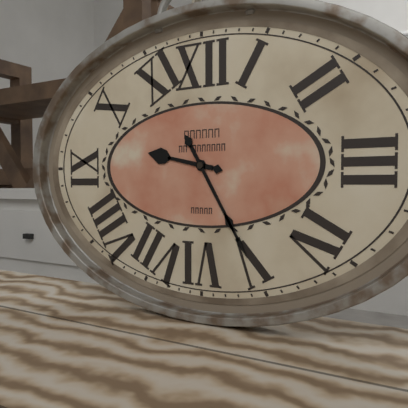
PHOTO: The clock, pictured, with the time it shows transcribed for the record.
9:25
